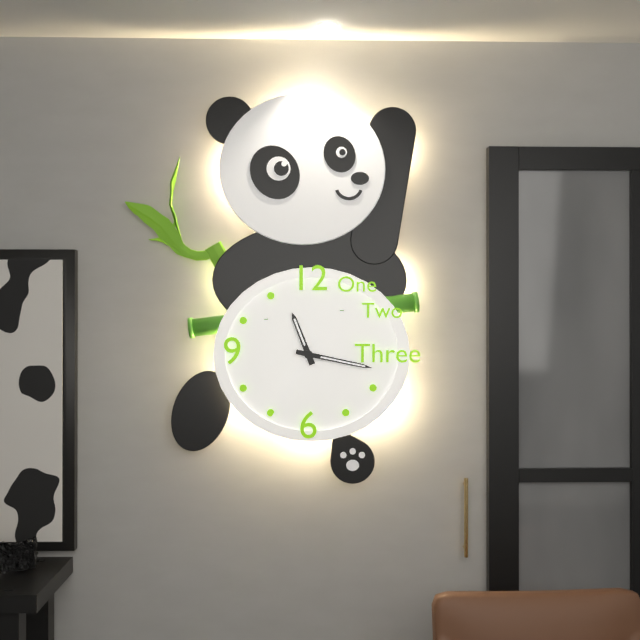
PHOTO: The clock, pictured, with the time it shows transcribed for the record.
11:17:35
